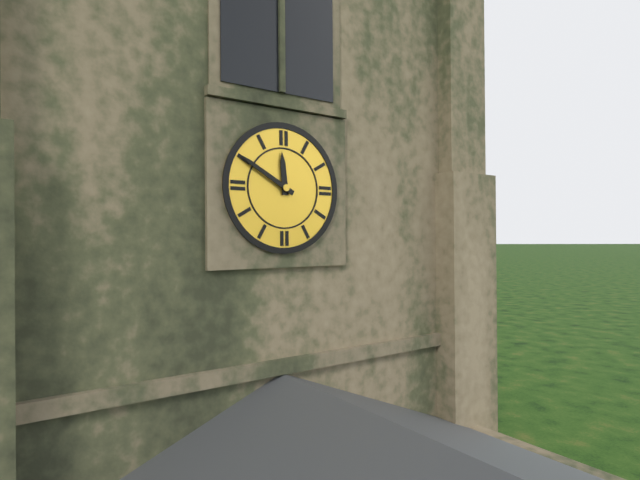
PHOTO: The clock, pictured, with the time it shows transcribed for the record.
11:50
